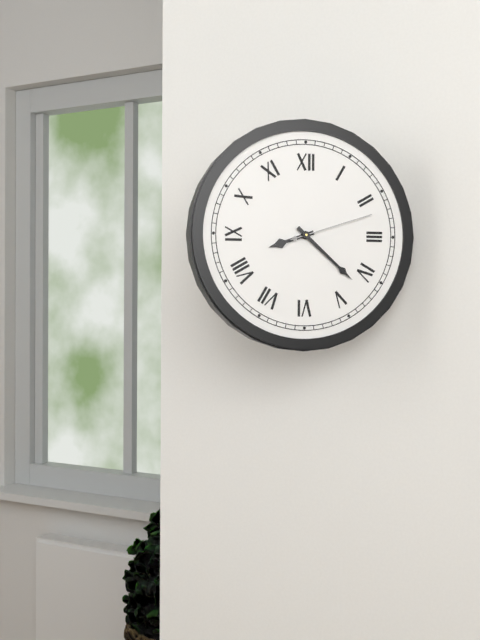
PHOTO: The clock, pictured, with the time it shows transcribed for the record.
8:22:12
